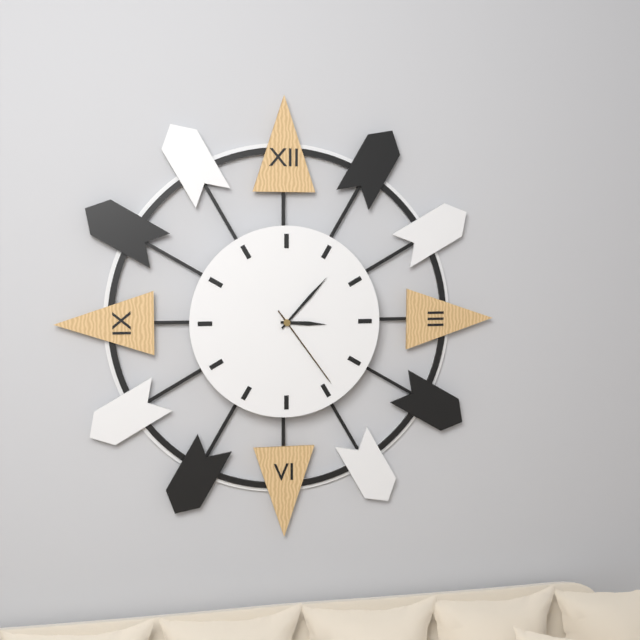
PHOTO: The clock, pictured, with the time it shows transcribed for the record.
3:07:24
